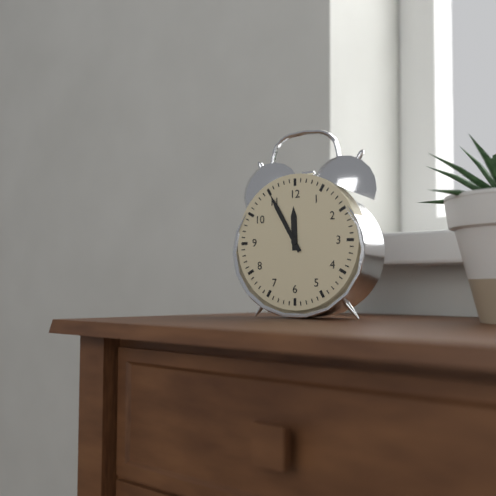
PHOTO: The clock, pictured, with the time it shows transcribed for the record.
11:55
